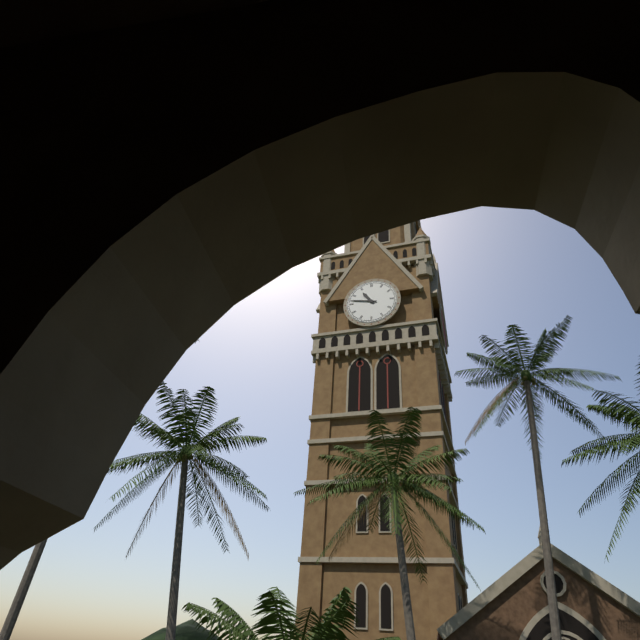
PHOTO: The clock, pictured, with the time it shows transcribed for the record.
10:47
